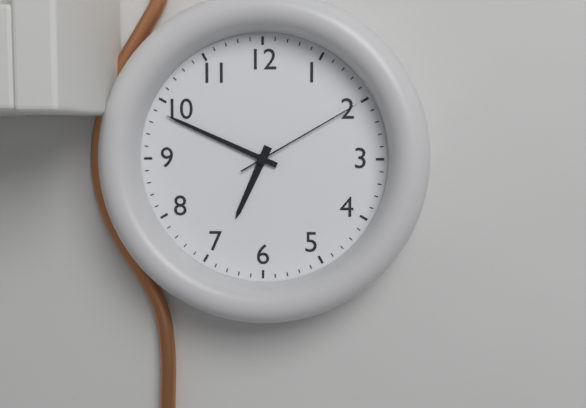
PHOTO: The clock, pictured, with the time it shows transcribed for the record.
6:49:10
